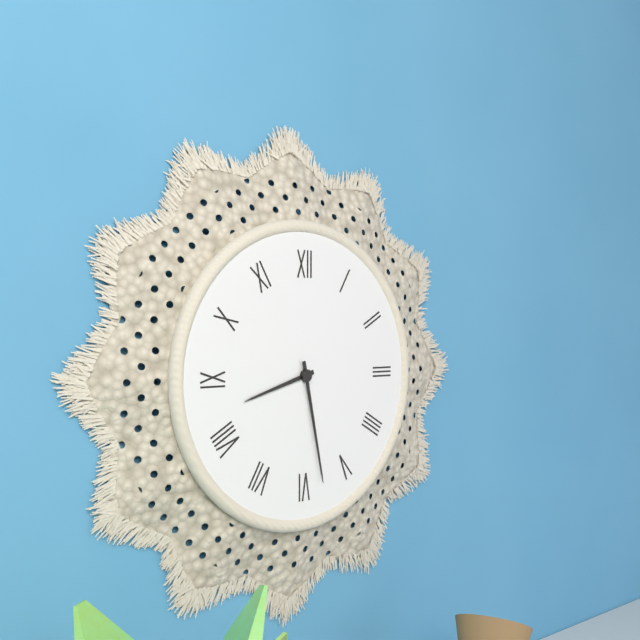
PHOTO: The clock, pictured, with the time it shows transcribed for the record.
8:28
